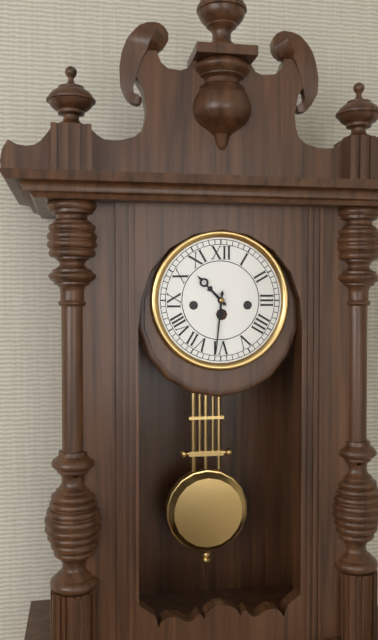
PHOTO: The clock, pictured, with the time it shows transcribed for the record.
10:31
